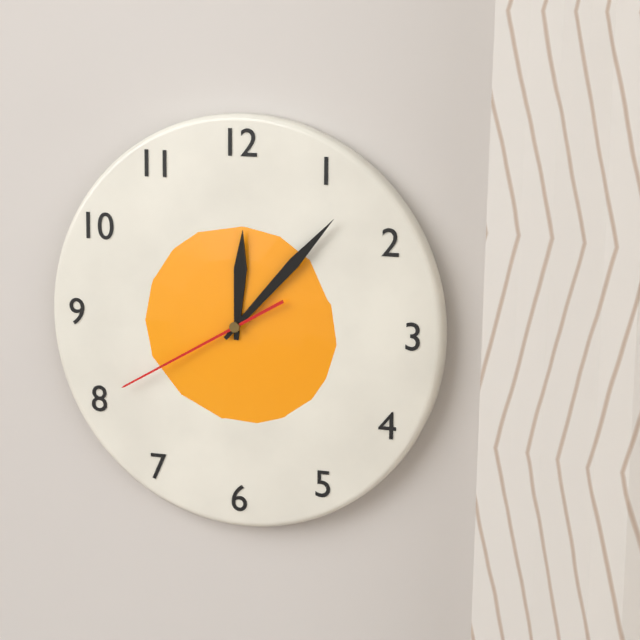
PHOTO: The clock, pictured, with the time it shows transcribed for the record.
12:07:40
